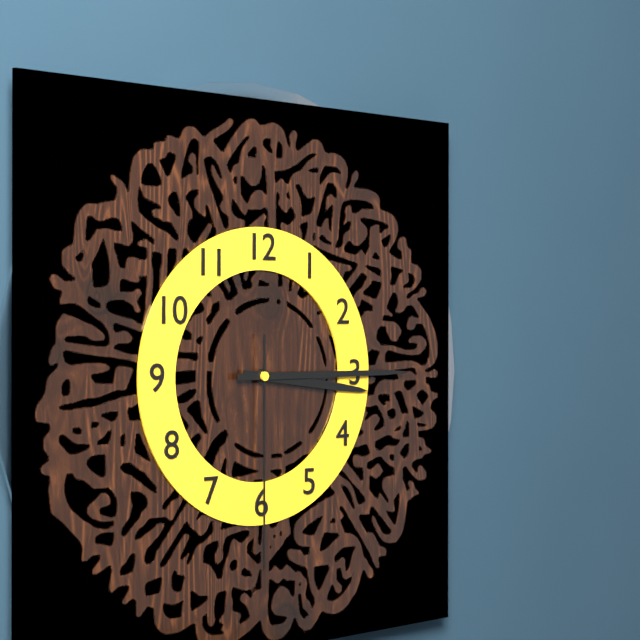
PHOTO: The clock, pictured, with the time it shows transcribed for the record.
3:15:30
